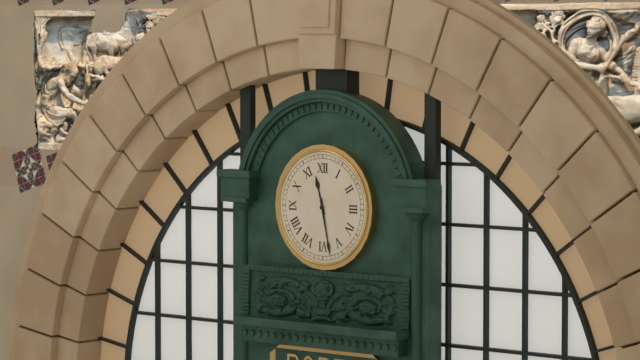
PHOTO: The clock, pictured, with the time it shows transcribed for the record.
11:28
